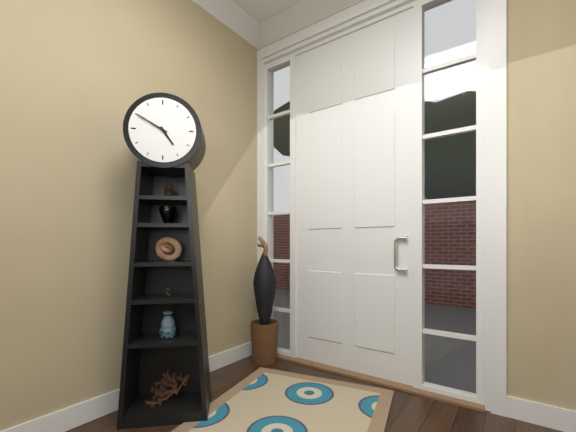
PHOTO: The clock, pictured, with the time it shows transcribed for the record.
4:50
